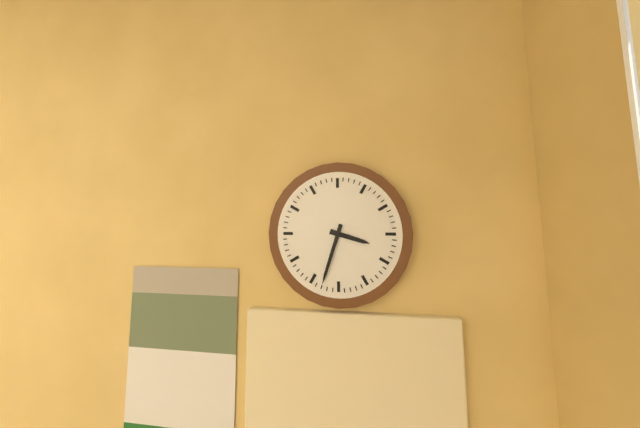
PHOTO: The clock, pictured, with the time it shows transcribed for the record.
3:33
